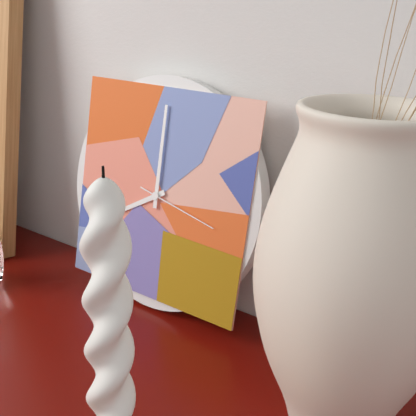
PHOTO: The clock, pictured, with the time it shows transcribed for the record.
8:00:17
